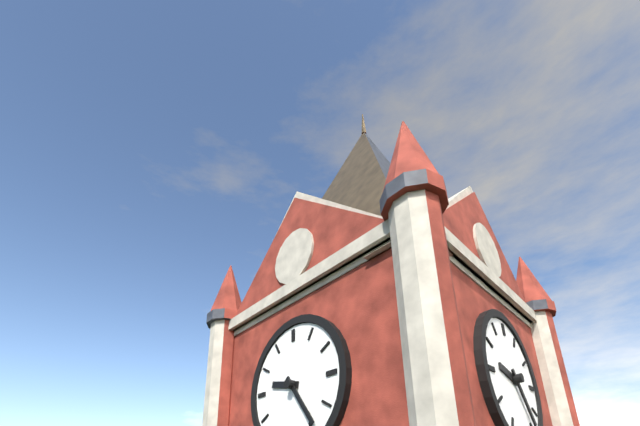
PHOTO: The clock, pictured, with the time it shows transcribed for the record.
9:24
